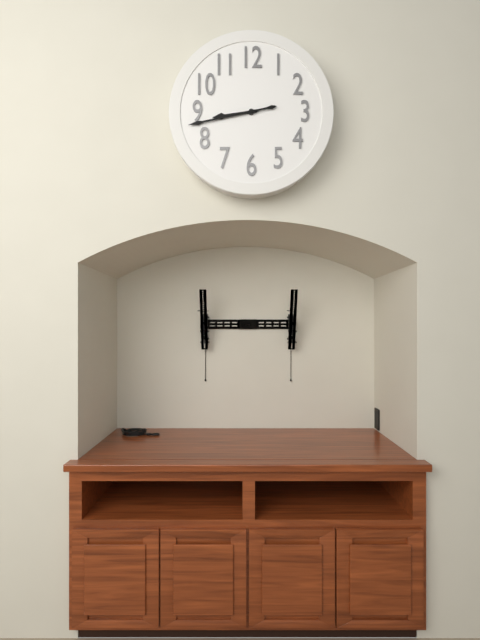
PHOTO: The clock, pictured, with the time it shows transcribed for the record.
8:43
